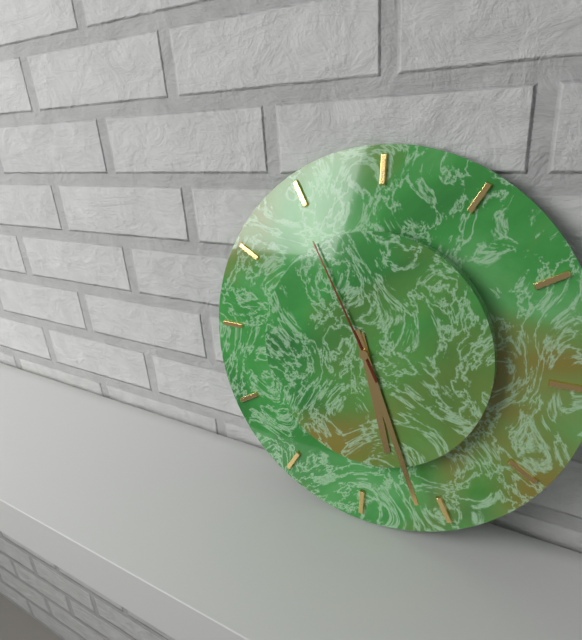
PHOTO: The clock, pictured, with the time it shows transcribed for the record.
5:26:55
